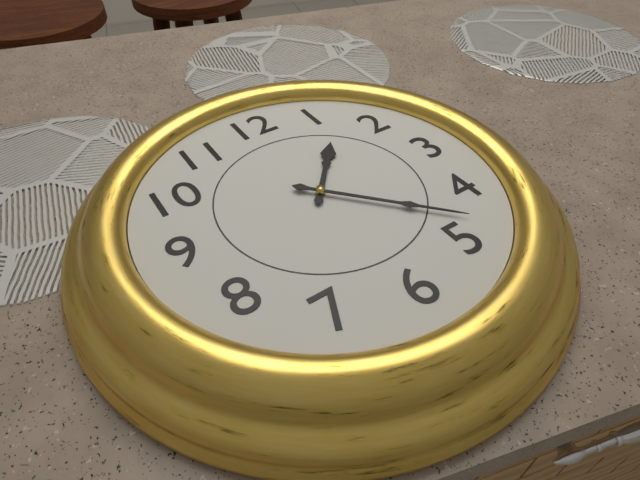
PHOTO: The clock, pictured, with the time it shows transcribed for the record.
1:23
